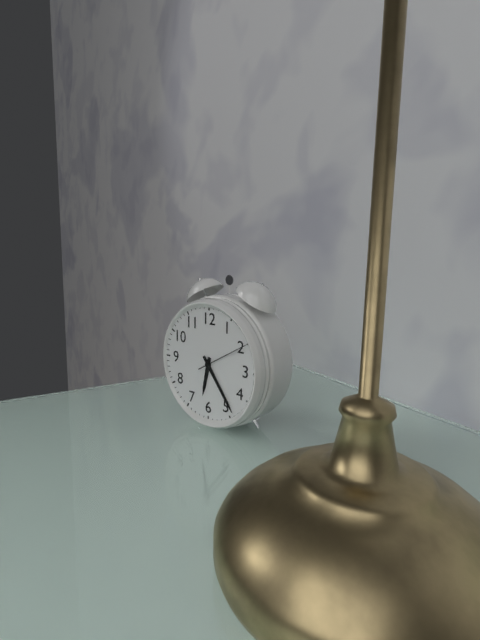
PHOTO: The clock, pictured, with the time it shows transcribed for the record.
6:24:10
